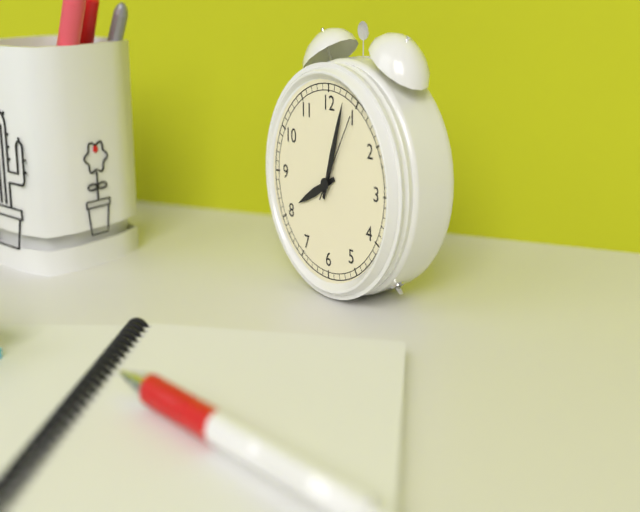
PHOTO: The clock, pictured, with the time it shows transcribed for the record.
8:03:05
